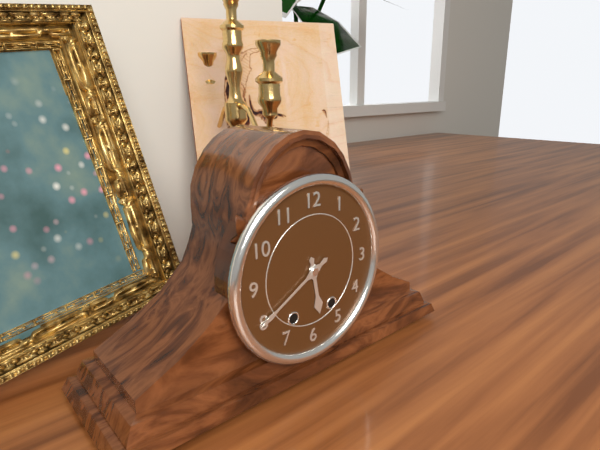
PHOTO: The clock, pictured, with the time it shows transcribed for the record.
5:40
